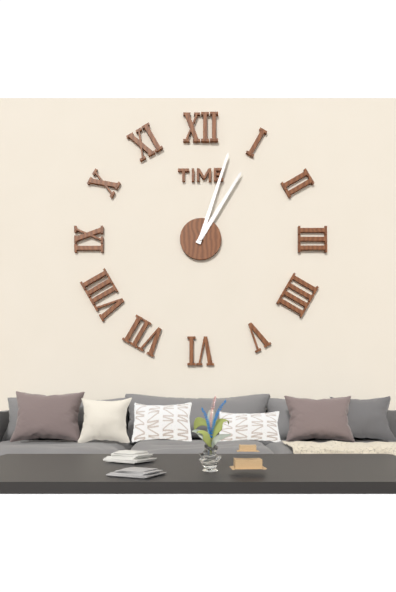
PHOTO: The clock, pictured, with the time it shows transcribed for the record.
1:03
